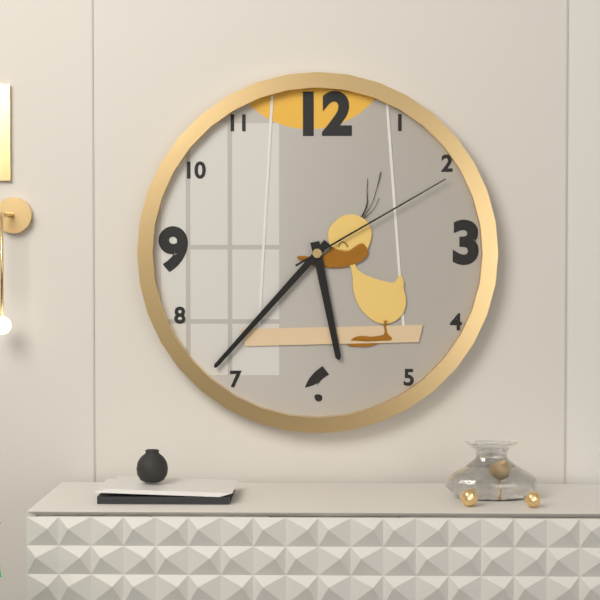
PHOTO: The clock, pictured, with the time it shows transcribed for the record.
5:37:10
